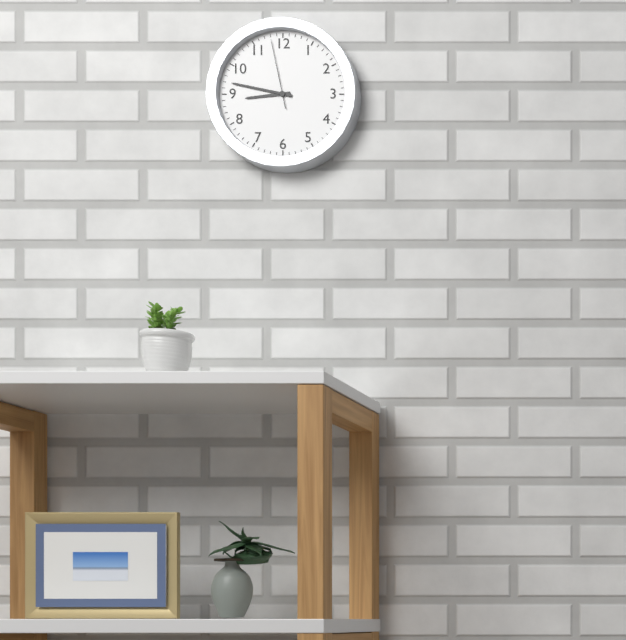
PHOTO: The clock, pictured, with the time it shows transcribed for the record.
8:47:58
